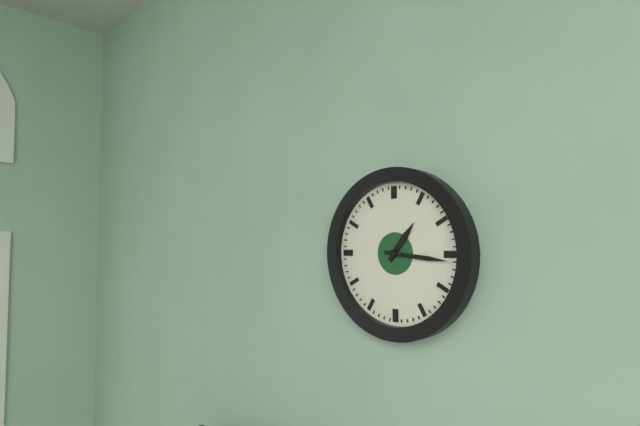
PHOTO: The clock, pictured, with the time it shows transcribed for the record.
1:16
